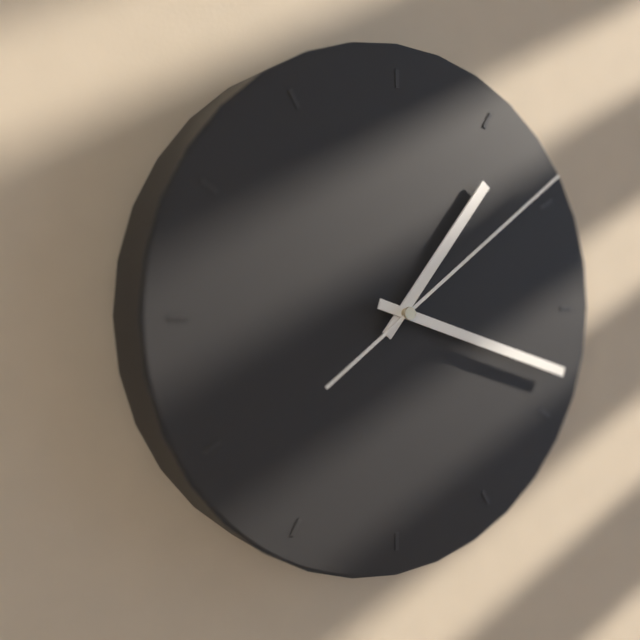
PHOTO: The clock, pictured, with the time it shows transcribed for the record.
1:18:09
